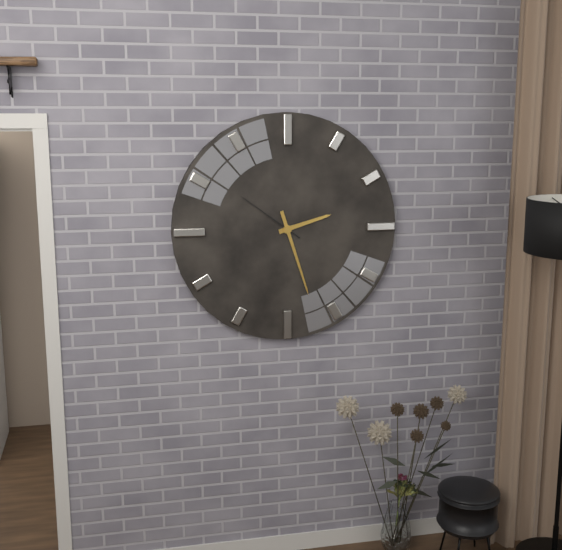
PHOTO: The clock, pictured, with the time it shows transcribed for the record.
2:27:51
